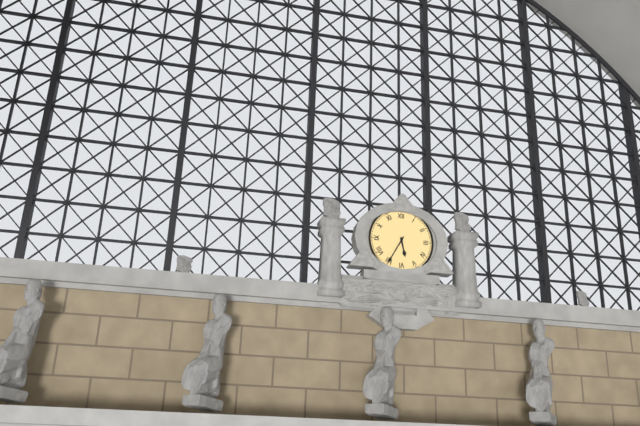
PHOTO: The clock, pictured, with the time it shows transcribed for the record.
5:35
